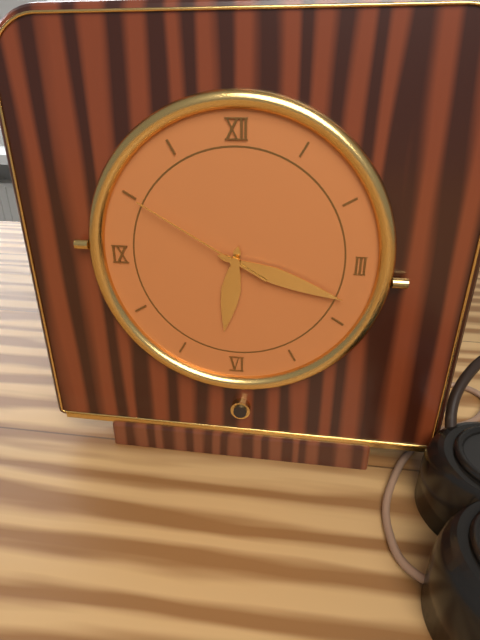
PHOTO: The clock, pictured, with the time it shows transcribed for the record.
6:18:50
